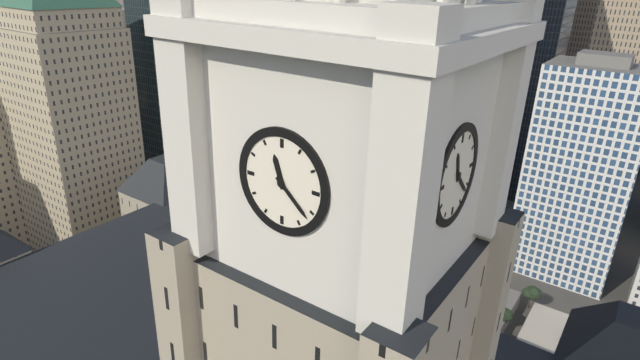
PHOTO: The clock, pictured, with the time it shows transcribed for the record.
11:22
